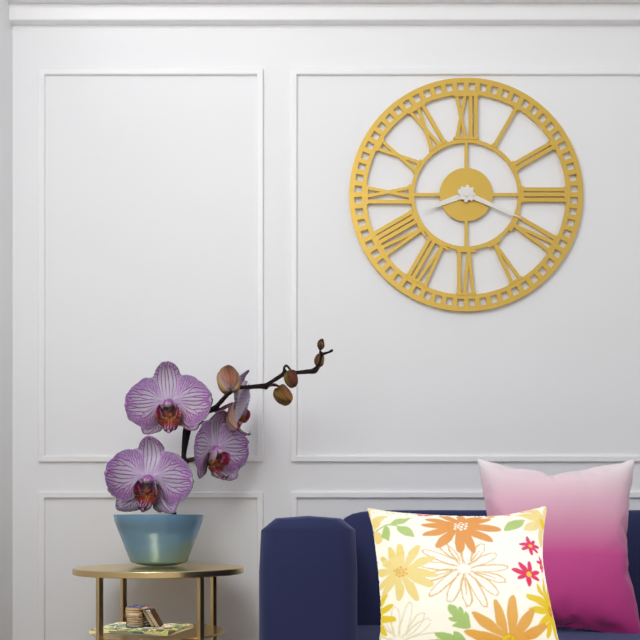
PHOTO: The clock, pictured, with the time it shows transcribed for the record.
8:19
